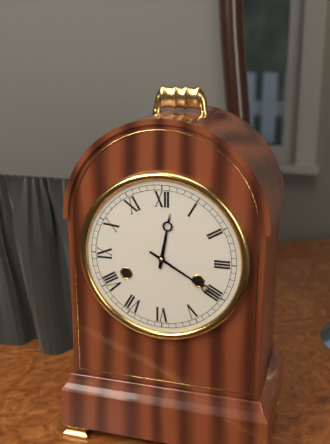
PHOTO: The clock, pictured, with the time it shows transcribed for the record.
12:20
